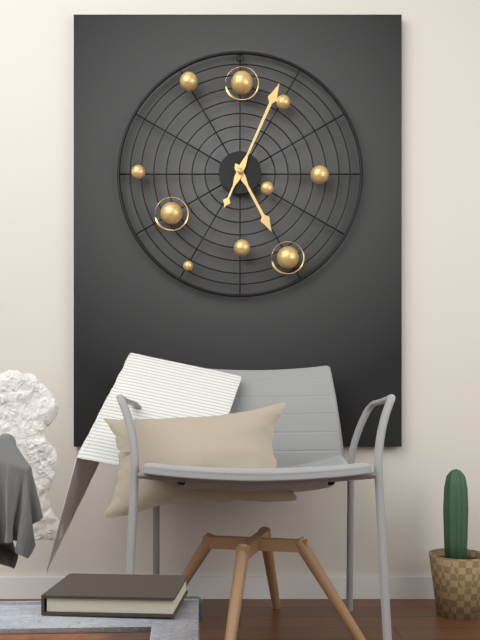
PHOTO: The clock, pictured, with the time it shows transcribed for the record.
5:04
